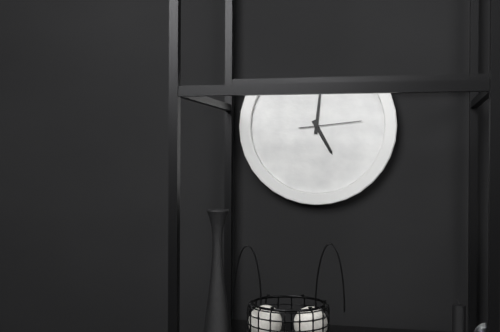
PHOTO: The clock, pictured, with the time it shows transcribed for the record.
5:01:14
